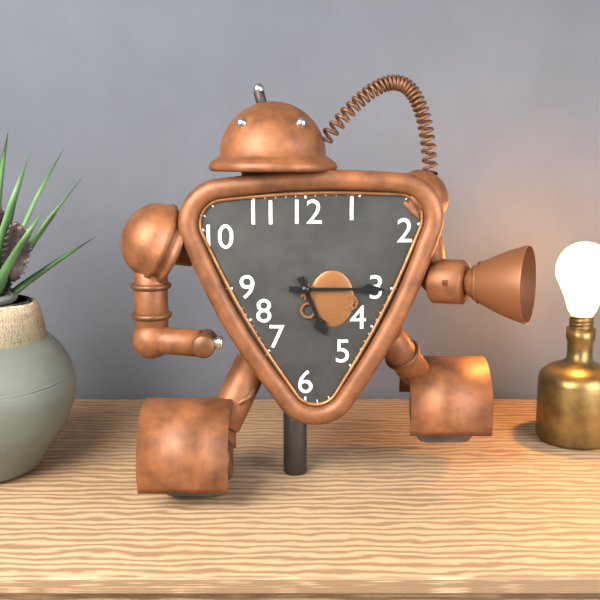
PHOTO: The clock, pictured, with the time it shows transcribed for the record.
5:15
